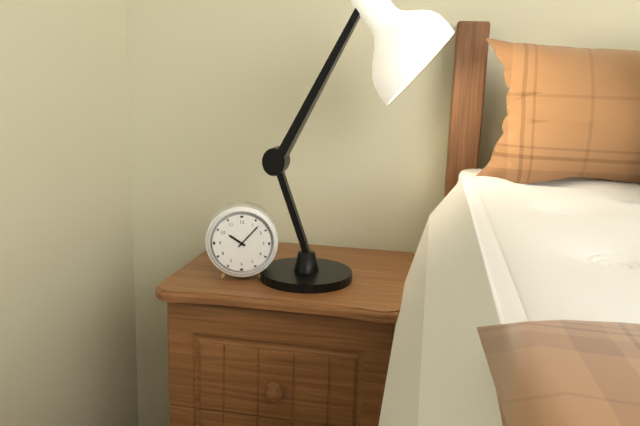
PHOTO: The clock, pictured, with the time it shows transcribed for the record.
10:07
